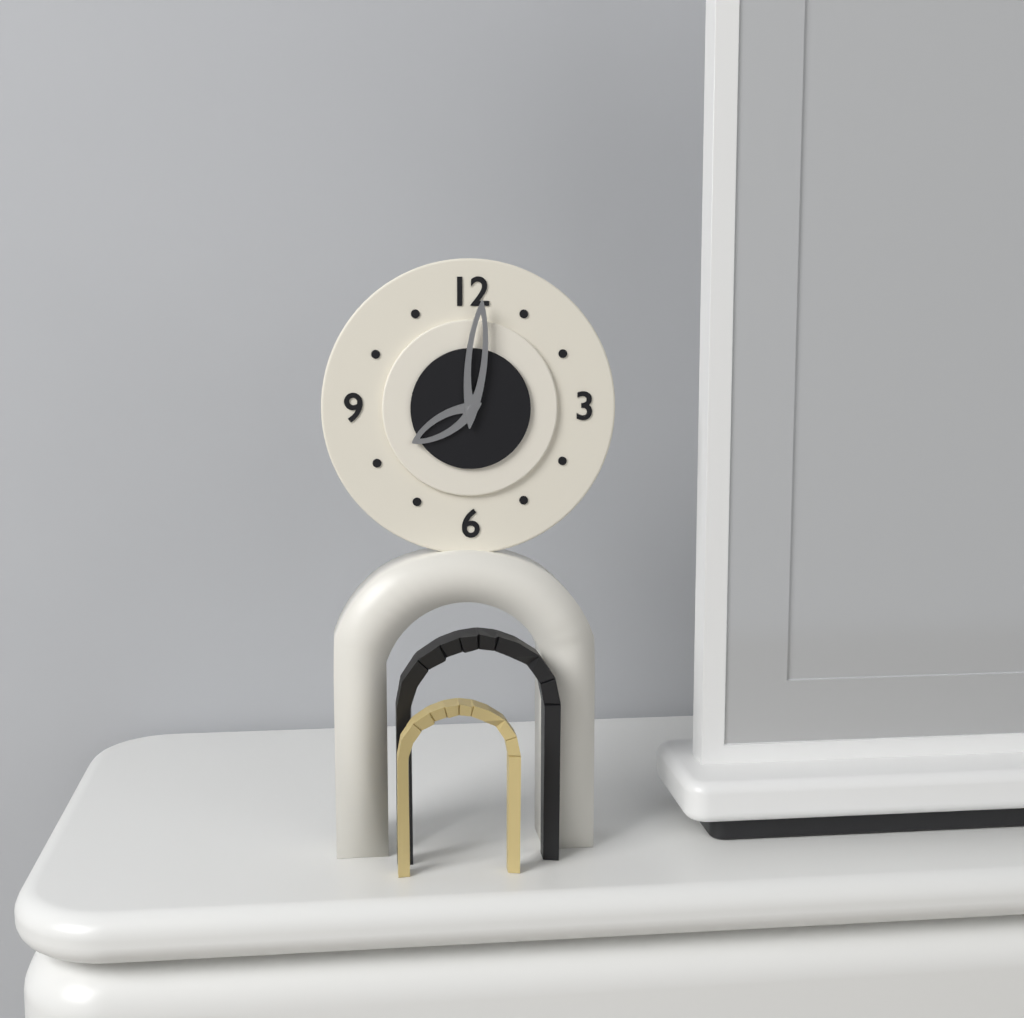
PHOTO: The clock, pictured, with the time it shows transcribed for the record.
8:01
